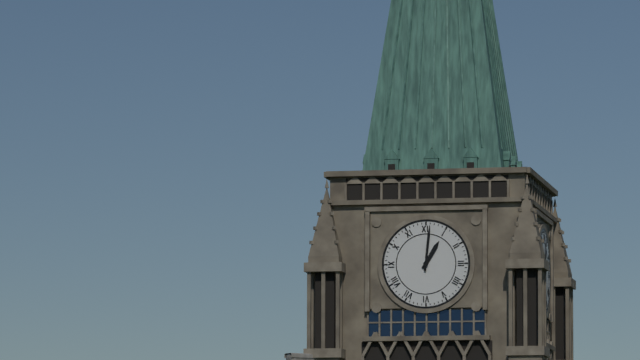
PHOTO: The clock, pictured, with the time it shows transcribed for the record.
1:01
